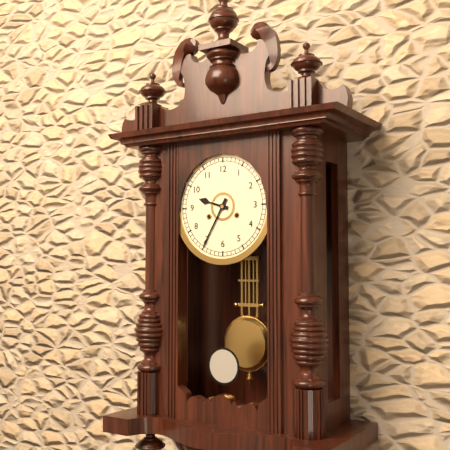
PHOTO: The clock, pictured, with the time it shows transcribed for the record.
9:35
